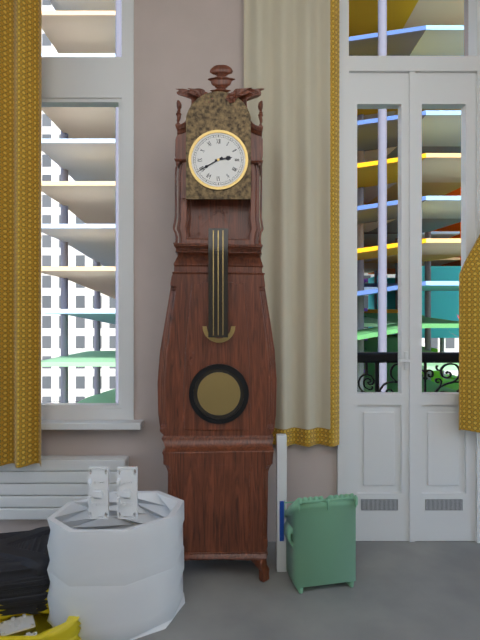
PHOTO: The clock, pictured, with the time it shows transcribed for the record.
2:40
